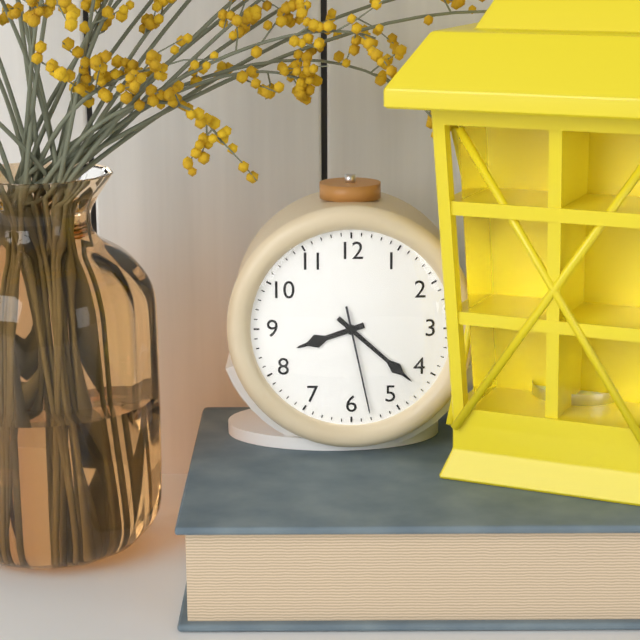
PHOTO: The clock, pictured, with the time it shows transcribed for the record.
8:22:28
